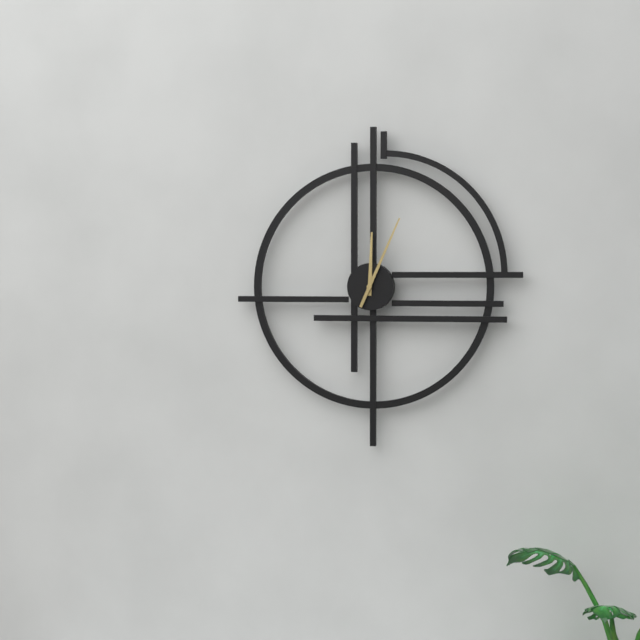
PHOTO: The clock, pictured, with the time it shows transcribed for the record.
12:04
